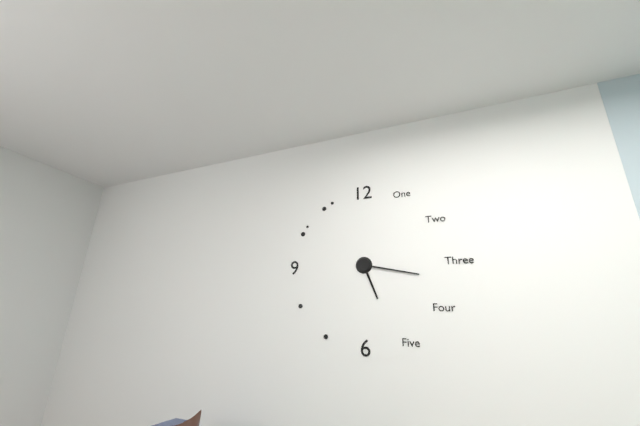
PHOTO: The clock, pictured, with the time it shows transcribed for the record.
5:17
